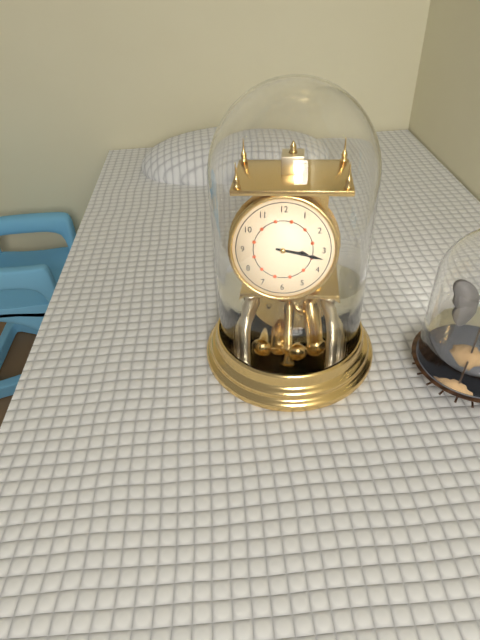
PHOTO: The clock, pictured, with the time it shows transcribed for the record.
3:17
